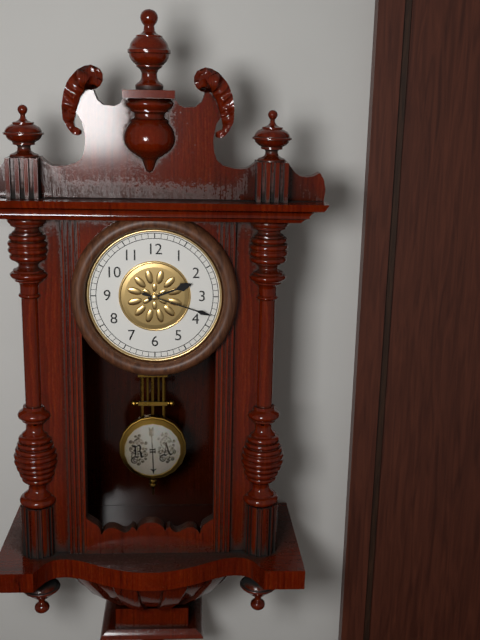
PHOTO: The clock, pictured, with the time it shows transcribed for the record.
2:18
